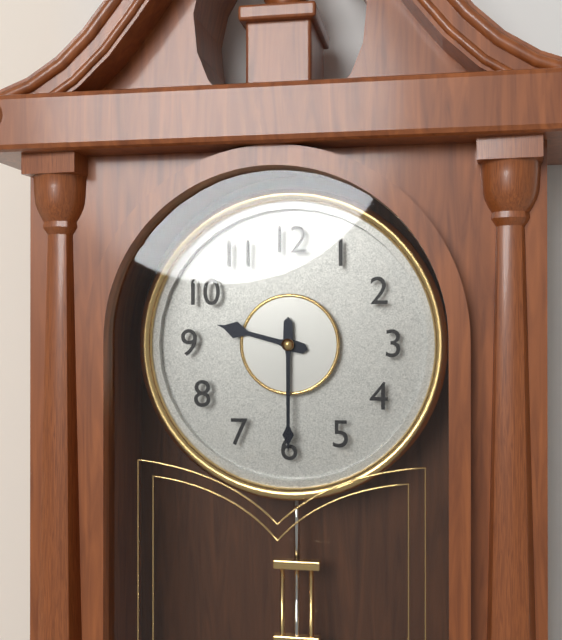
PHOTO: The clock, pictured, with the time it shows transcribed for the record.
9:30
